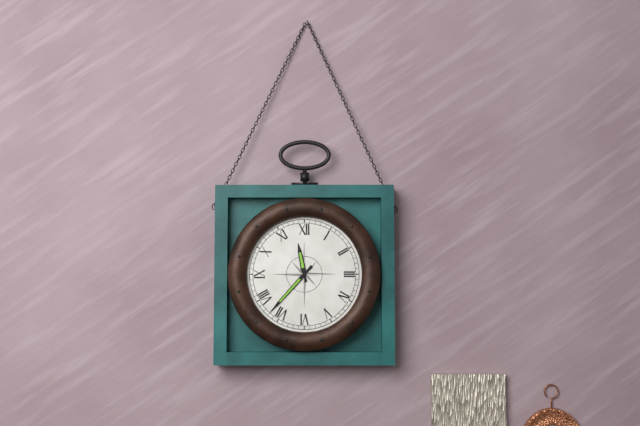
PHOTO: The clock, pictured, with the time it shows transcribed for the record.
11:37
